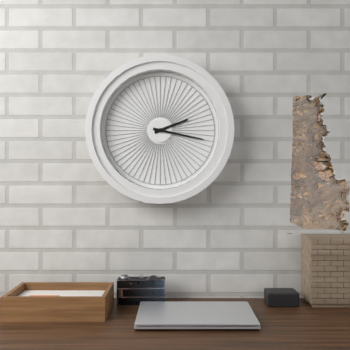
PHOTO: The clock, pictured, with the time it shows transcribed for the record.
2:17
